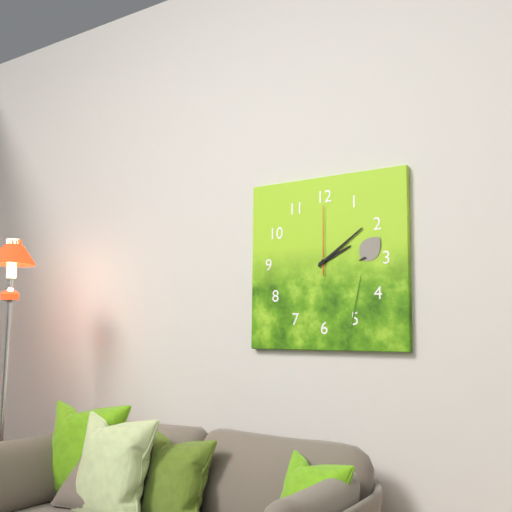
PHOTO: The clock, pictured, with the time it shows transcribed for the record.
2:09:00
